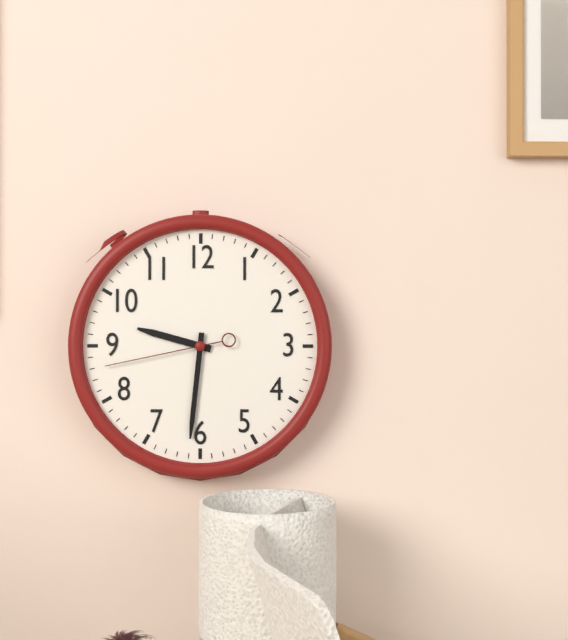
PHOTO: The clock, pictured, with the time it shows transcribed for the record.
9:31:43
